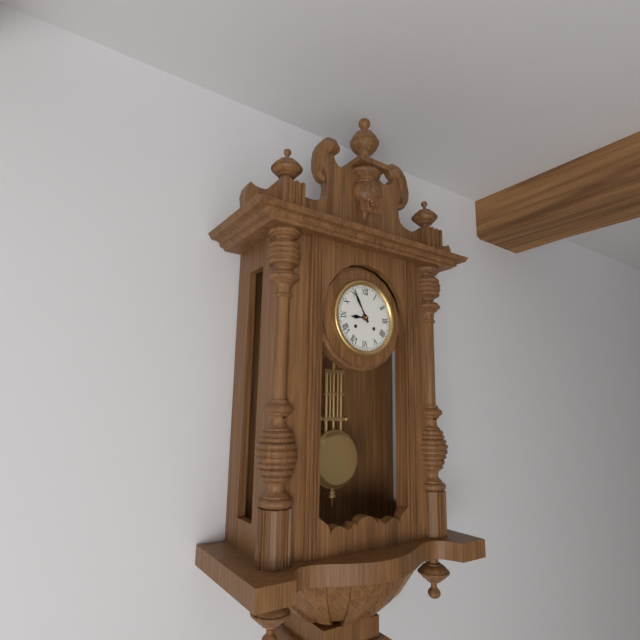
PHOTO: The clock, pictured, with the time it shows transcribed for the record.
8:55
